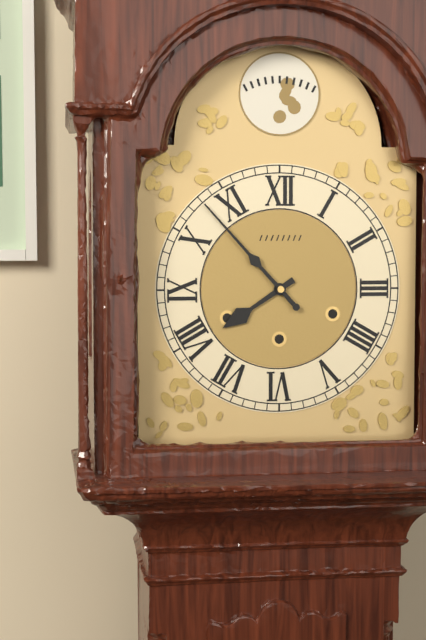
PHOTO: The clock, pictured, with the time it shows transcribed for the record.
7:53
